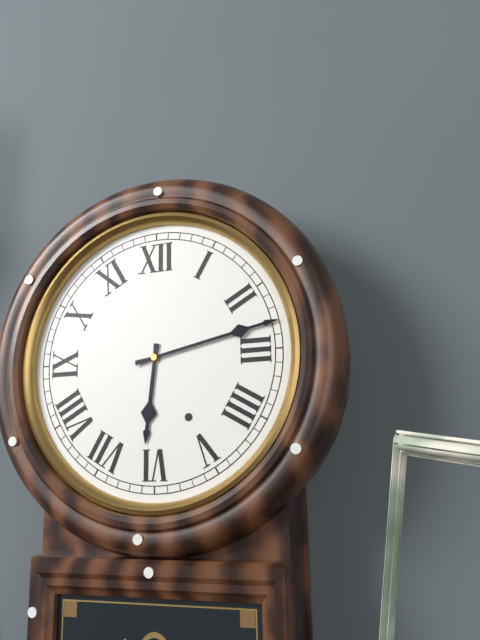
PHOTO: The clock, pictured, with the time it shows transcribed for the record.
6:13
